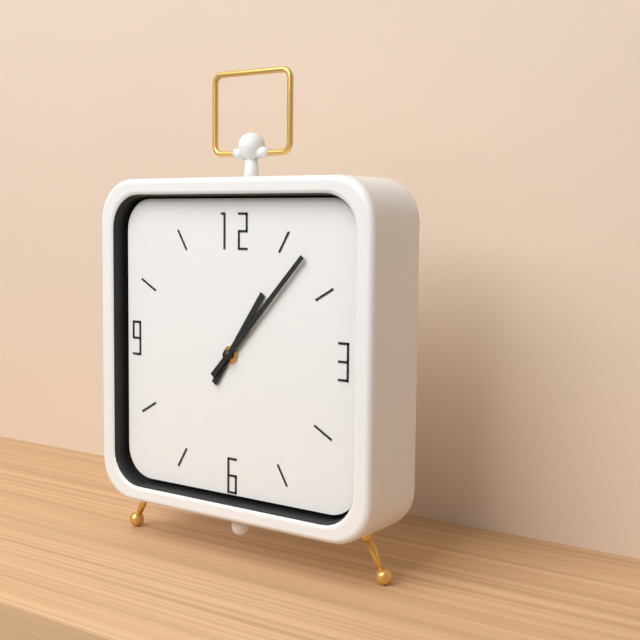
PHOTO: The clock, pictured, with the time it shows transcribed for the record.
1:07
